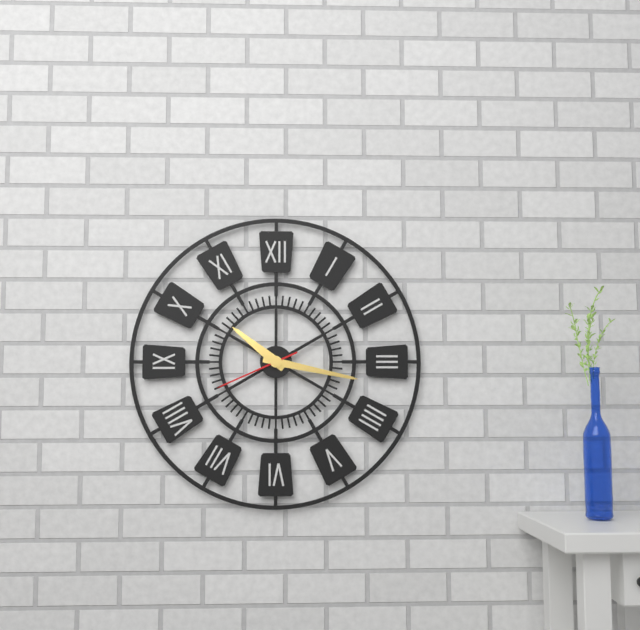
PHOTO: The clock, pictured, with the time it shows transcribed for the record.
10:17:41
